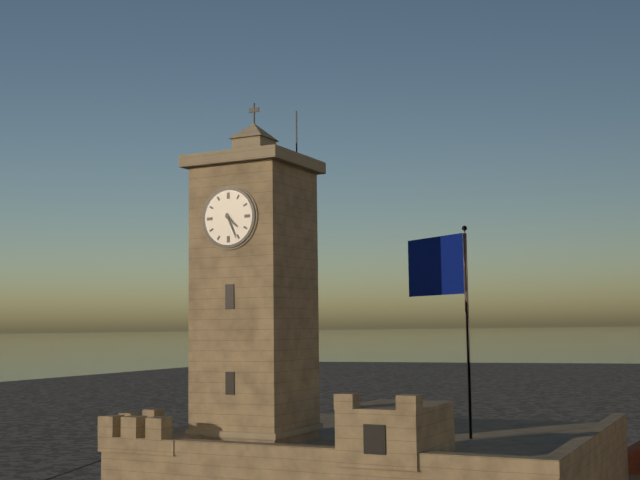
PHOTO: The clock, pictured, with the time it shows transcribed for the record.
4:26
